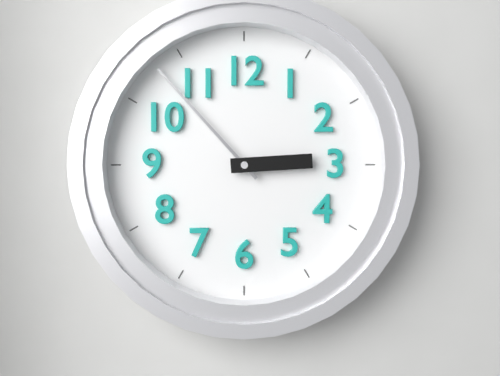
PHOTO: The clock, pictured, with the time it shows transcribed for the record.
2:53
